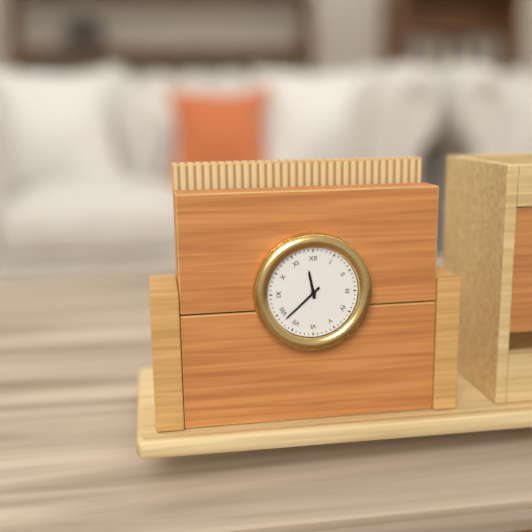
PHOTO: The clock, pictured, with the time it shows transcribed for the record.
11:38
